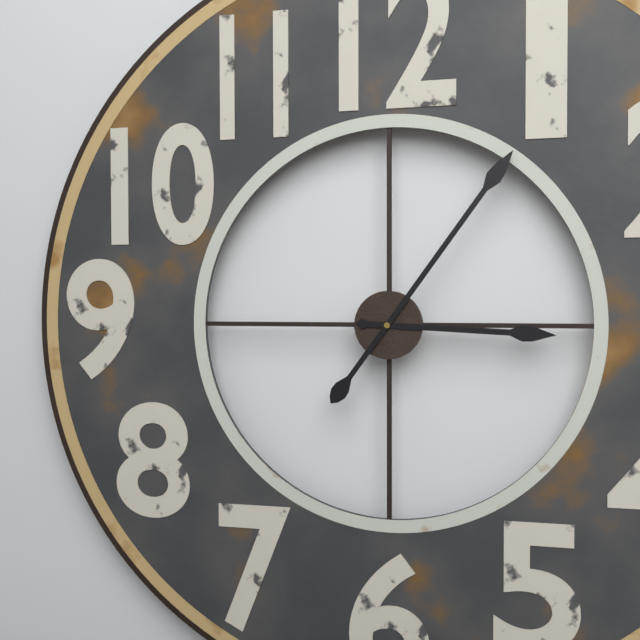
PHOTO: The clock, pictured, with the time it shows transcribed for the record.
3:06
